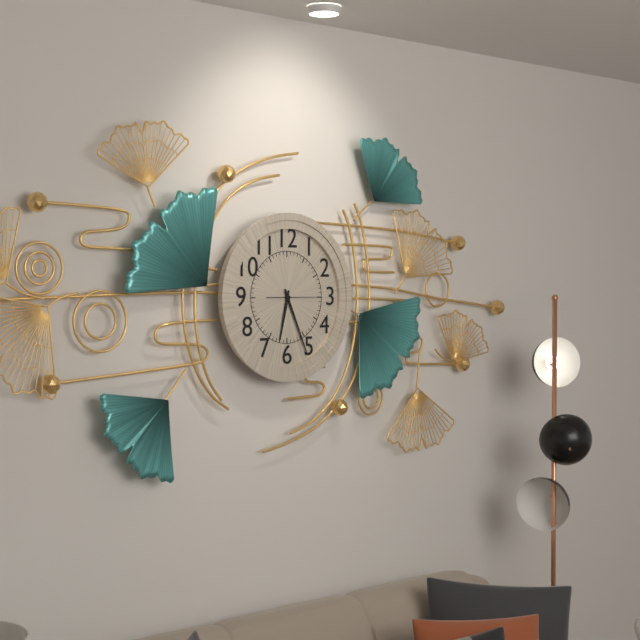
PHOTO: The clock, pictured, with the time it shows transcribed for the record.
6:26
